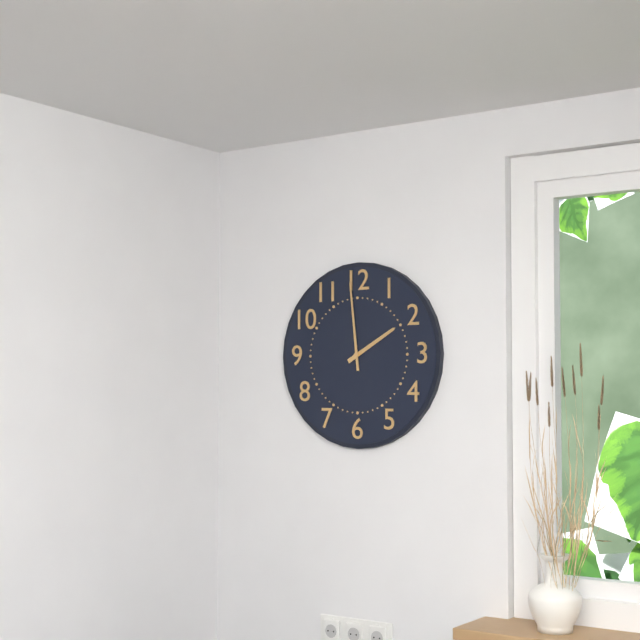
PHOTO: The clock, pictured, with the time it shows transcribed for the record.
1:59
